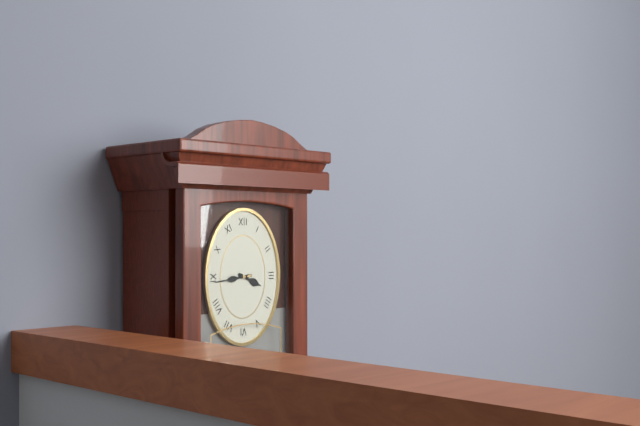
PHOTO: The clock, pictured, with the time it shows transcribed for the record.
3:44
